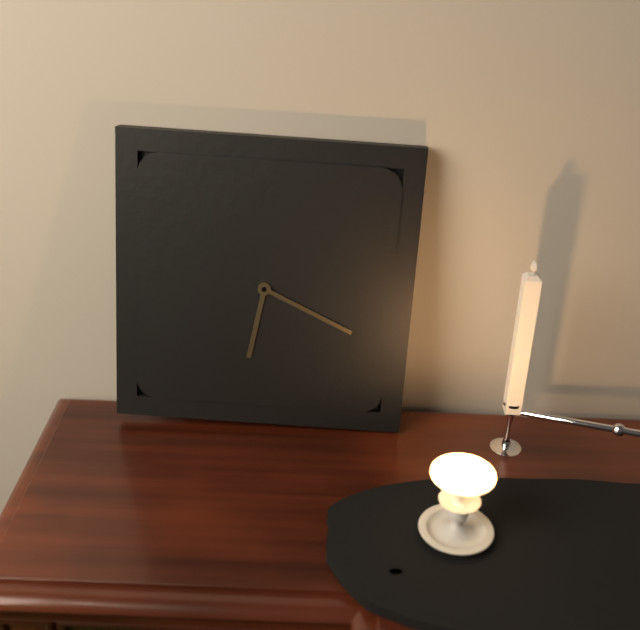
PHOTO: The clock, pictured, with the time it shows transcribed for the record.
6:19
